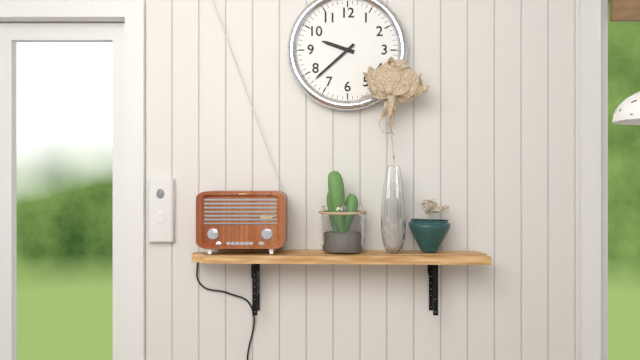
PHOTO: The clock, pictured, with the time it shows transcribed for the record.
9:38
